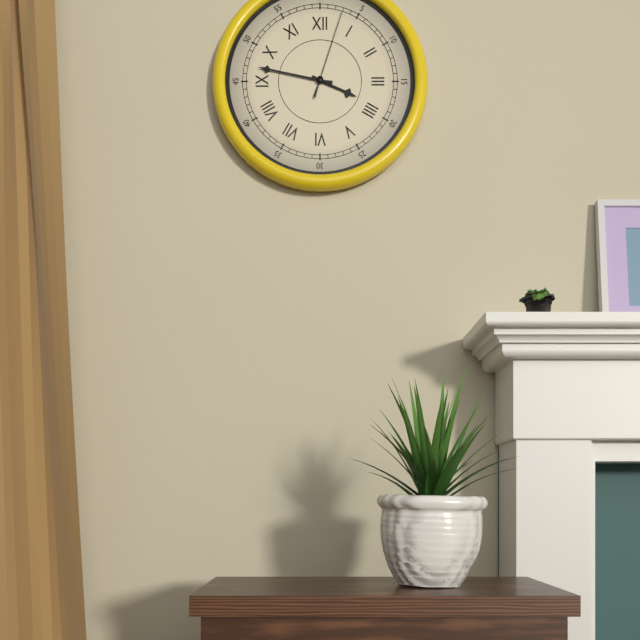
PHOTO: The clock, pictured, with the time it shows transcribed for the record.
3:47:03
